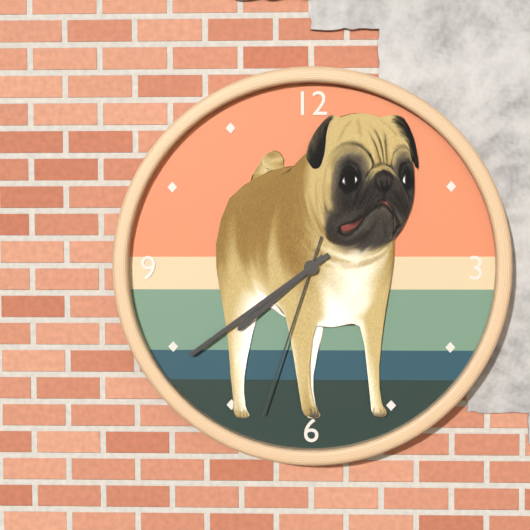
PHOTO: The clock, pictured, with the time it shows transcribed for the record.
7:39:33
